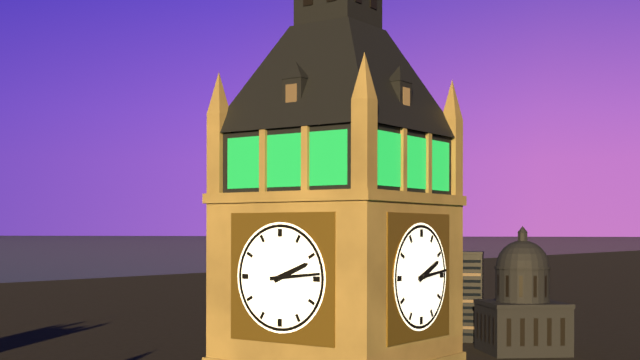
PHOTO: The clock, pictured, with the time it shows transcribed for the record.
2:14
